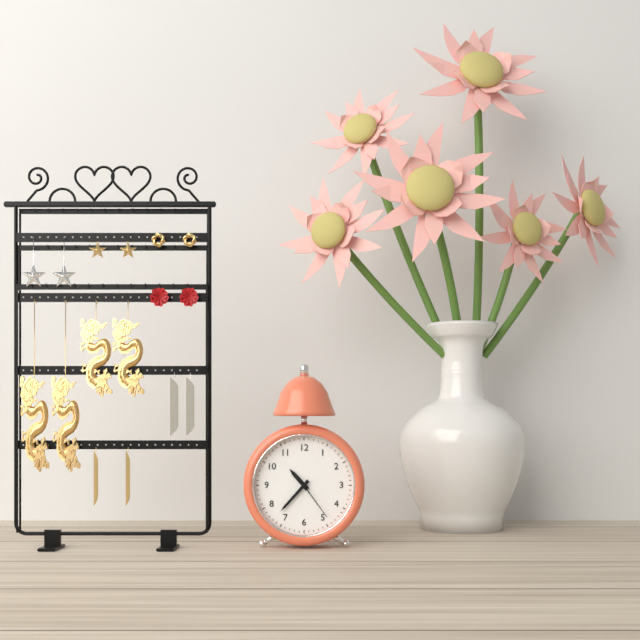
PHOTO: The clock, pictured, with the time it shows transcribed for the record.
10:37
